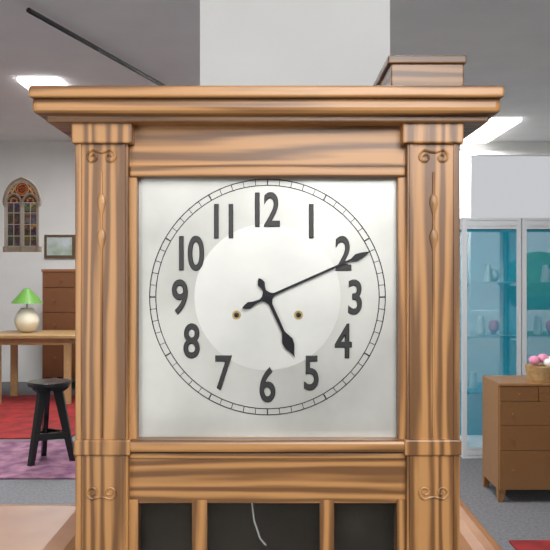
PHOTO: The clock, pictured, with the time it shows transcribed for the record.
5:11
